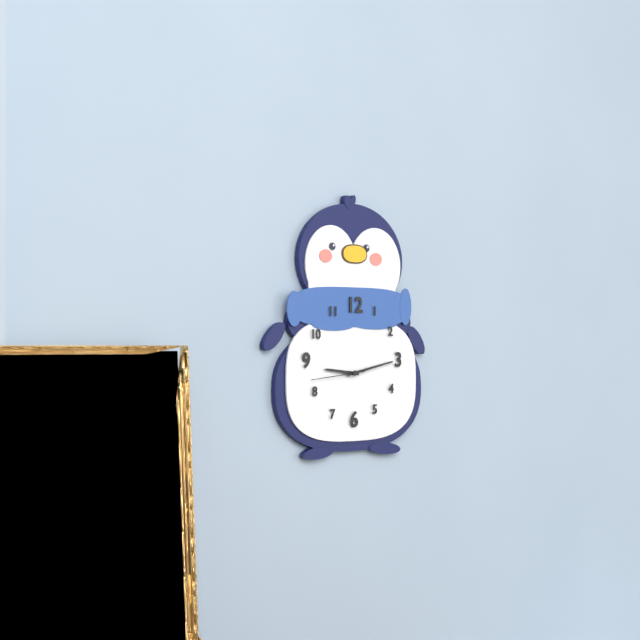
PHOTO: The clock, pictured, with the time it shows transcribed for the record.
9:13
